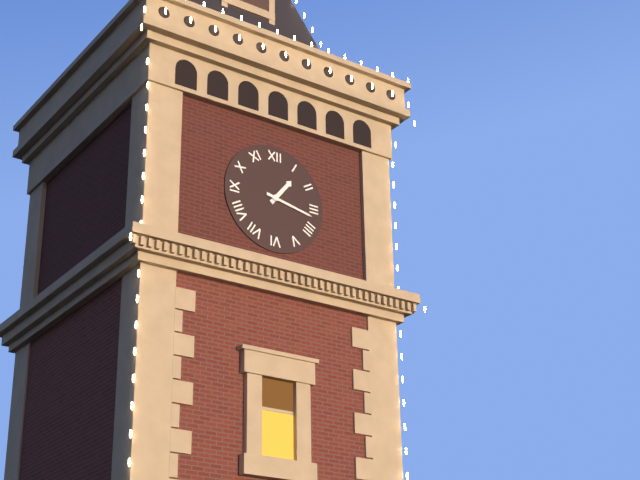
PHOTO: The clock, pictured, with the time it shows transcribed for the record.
1:17
